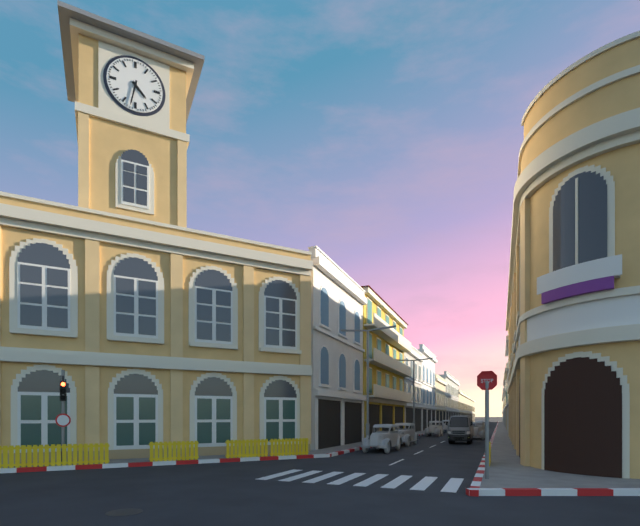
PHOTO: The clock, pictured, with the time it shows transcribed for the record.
4:32
